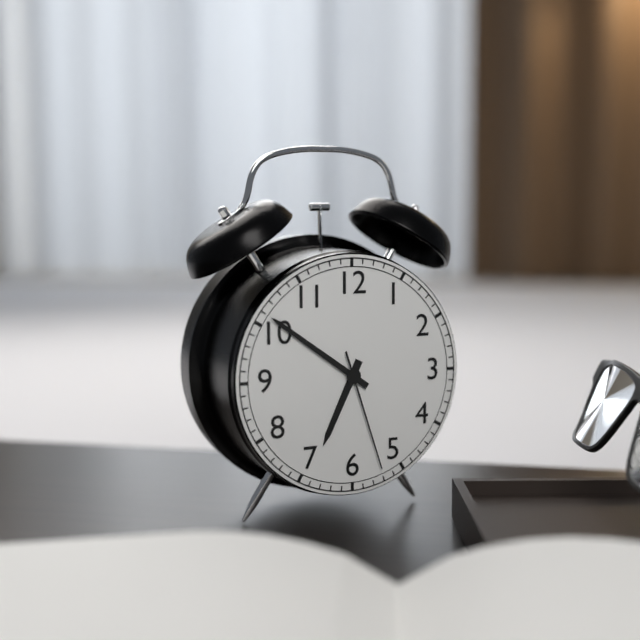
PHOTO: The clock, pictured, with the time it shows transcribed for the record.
6:51:27
